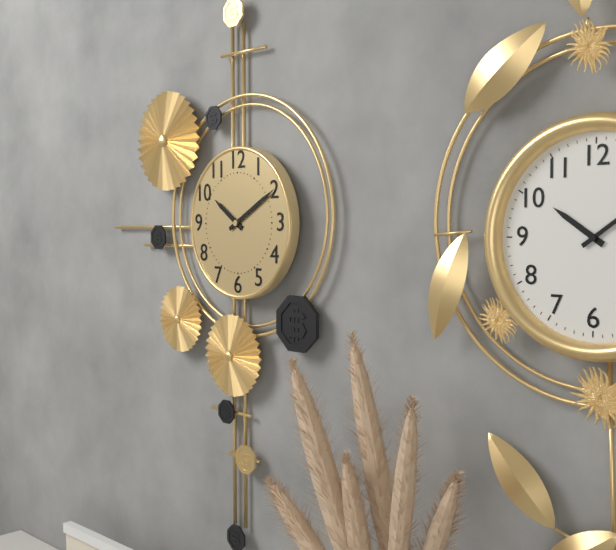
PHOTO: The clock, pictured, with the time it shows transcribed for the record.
10:10
